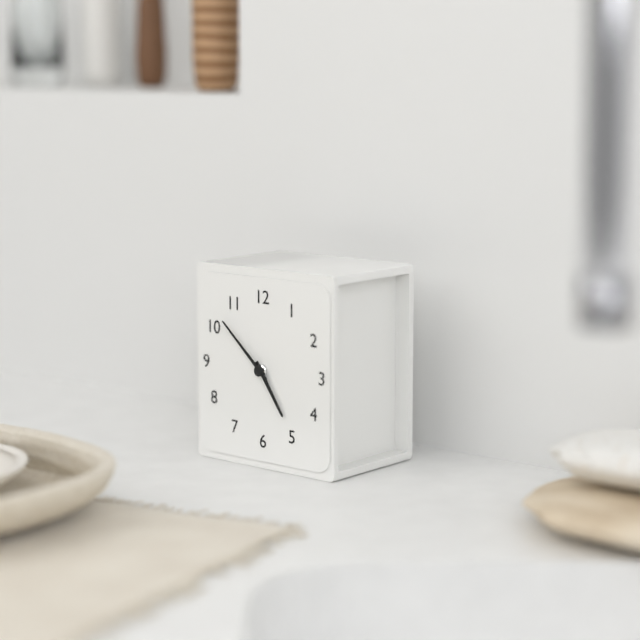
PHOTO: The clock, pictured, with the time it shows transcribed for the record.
4:52
